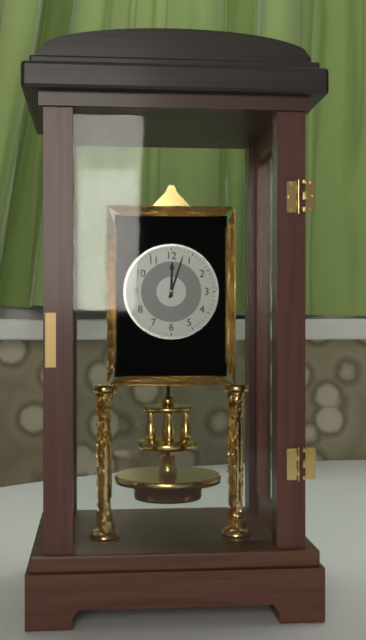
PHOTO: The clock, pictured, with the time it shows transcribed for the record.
12:03
